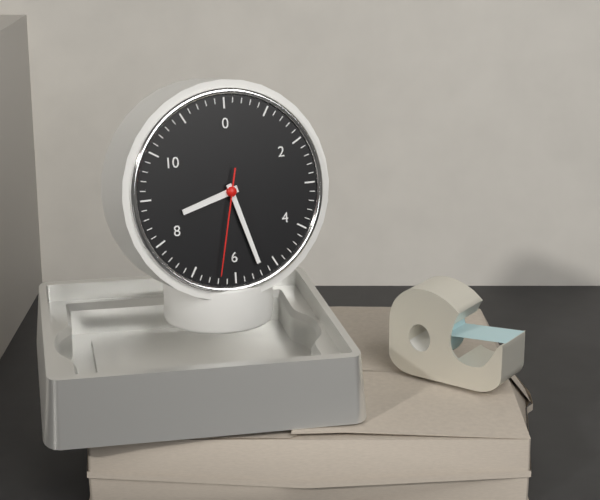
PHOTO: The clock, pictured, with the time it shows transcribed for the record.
8:27:32
